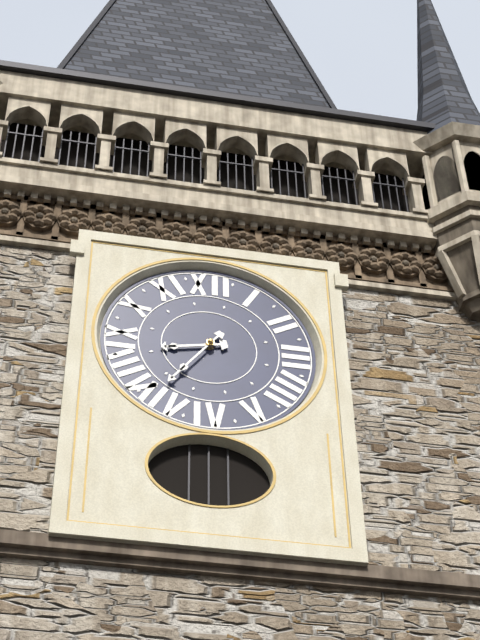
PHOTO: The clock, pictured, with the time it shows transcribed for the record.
8:36
